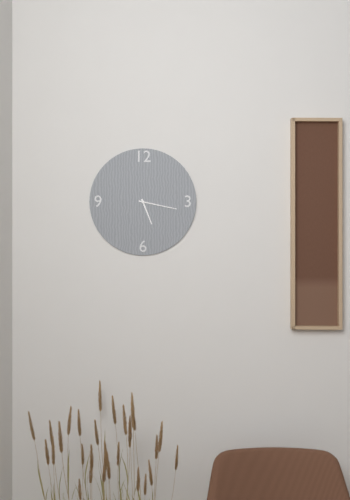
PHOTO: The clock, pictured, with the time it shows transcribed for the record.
5:17
